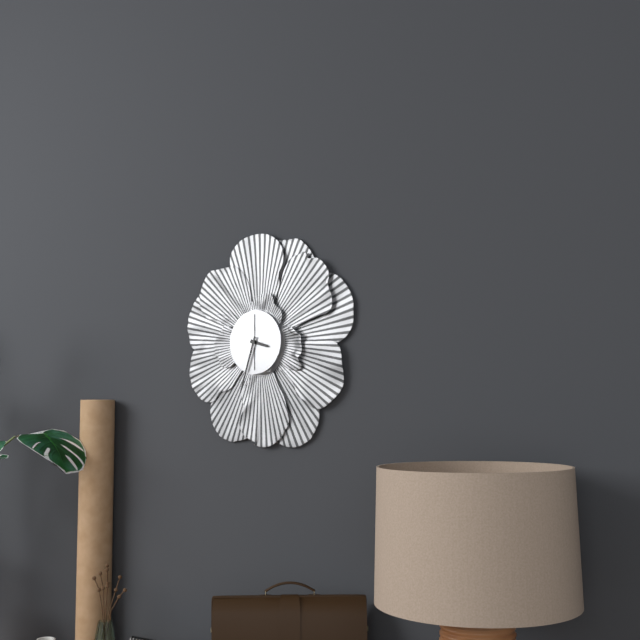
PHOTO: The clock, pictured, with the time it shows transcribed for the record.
3:33
